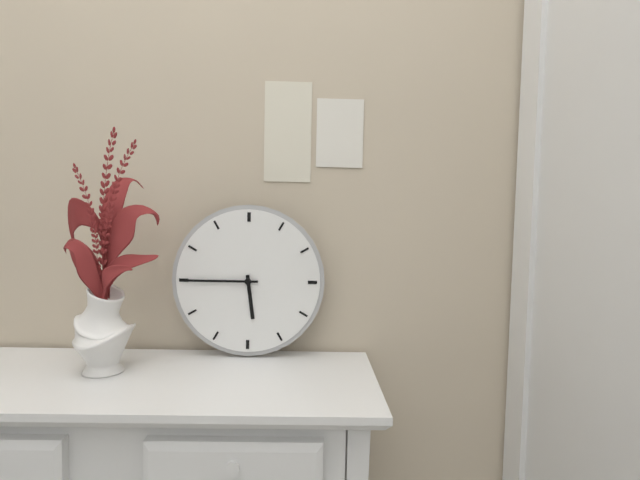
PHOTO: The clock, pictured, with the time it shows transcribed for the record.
5:45
